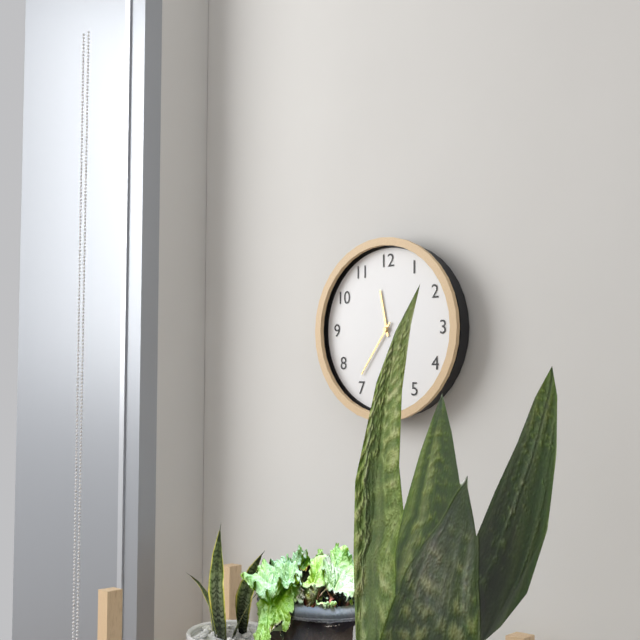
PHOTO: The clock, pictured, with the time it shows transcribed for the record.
11:36
